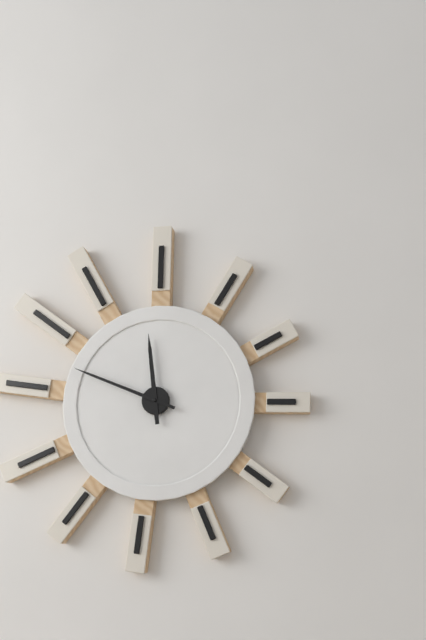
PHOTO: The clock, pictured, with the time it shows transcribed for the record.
11:49
